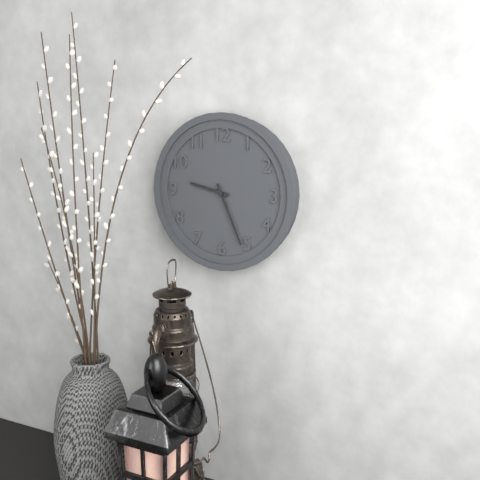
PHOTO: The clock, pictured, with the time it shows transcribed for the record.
9:26
